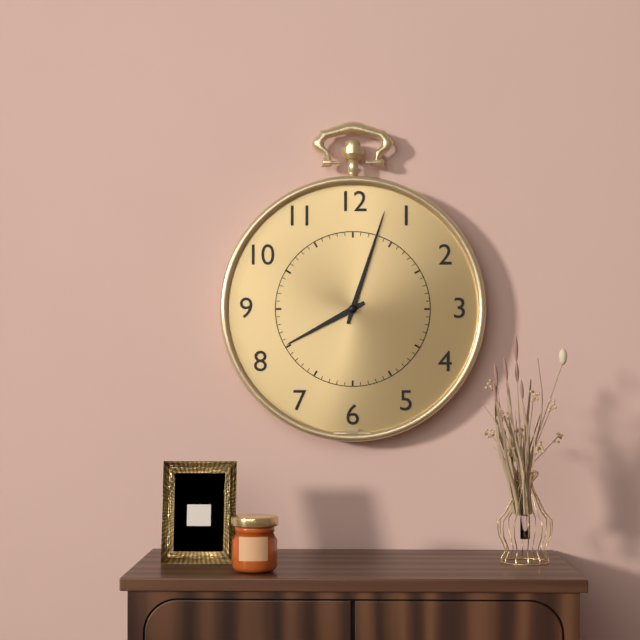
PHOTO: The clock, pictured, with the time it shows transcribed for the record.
8:03
